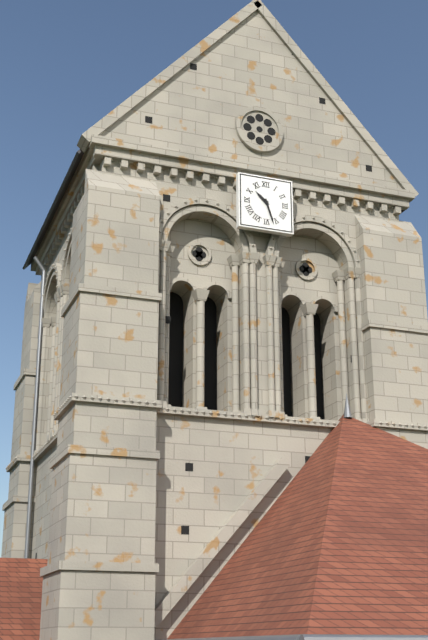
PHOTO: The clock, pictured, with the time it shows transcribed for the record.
10:27
